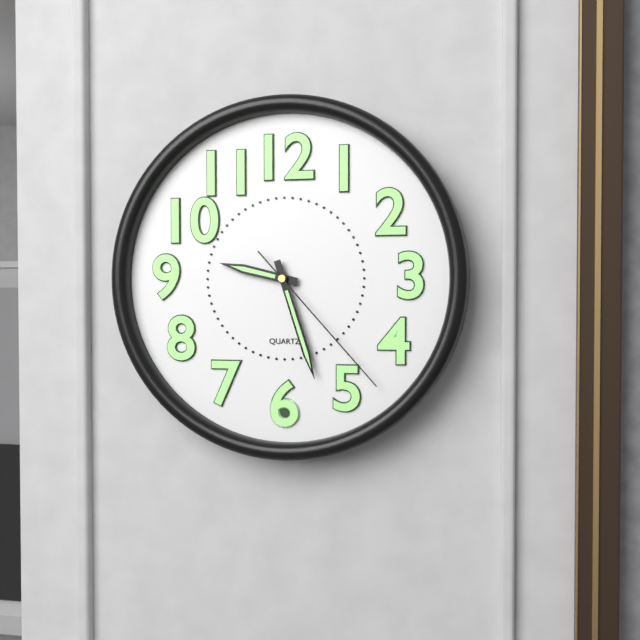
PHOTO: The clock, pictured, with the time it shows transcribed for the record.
9:27:23
